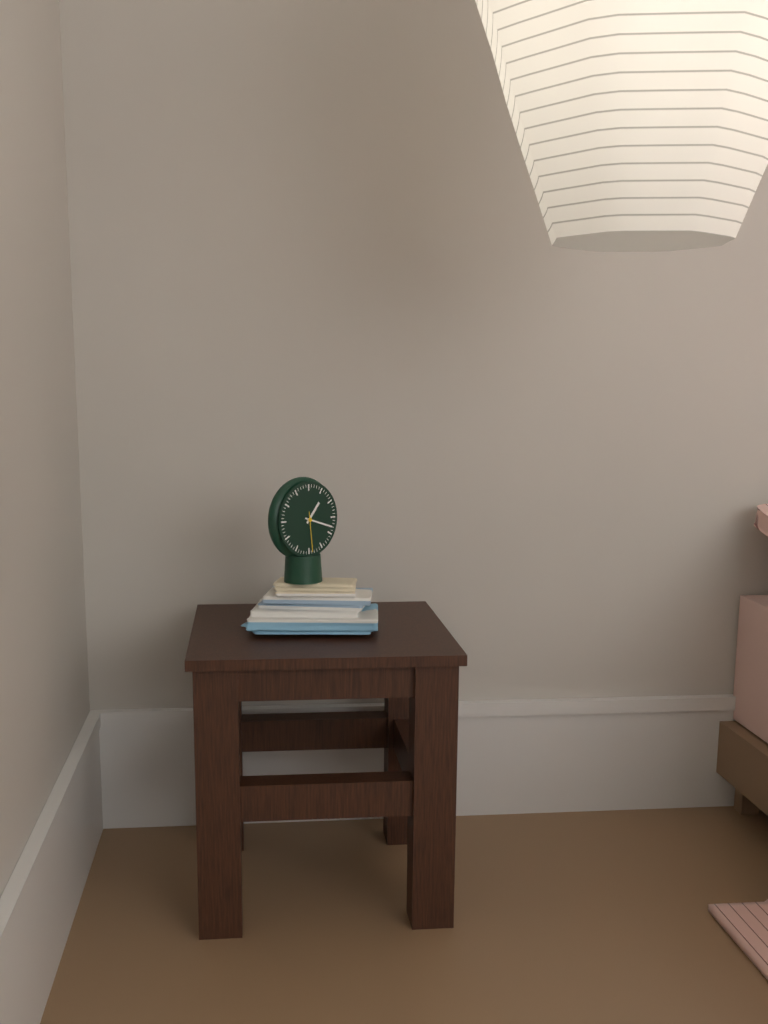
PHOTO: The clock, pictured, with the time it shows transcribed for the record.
1:18
